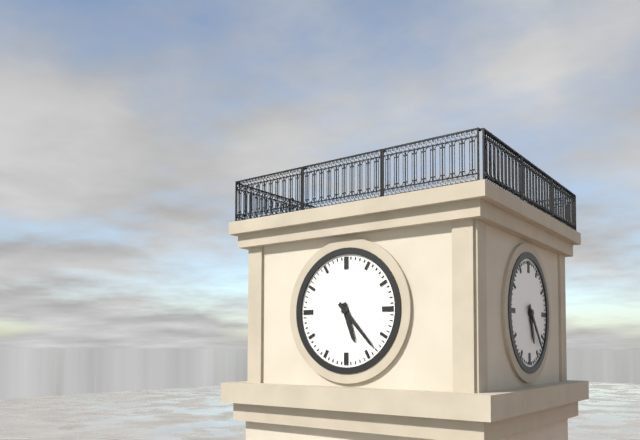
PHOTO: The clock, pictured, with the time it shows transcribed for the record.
5:23
